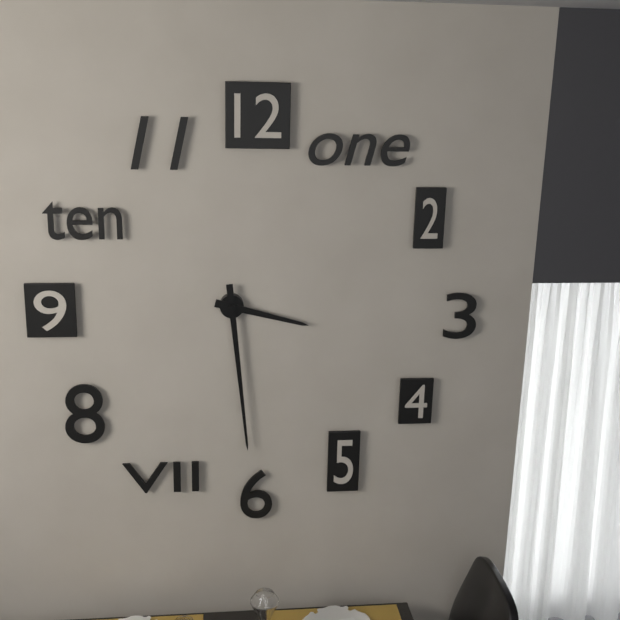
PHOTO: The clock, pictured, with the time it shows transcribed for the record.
3:29
